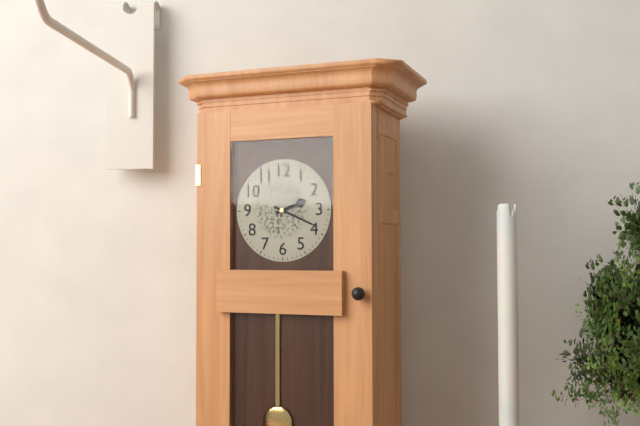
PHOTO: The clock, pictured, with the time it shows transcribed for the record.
2:19
